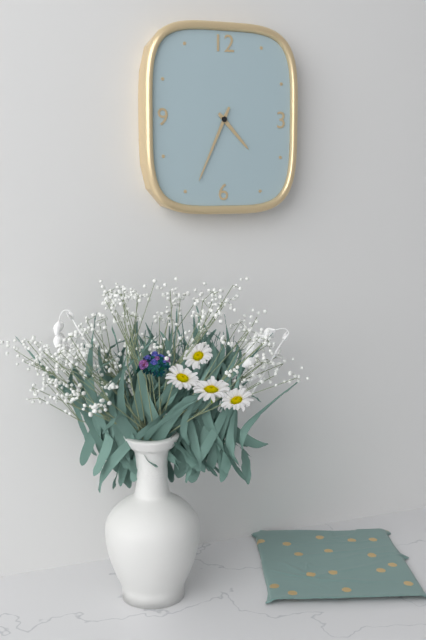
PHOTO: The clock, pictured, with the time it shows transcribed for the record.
4:34
